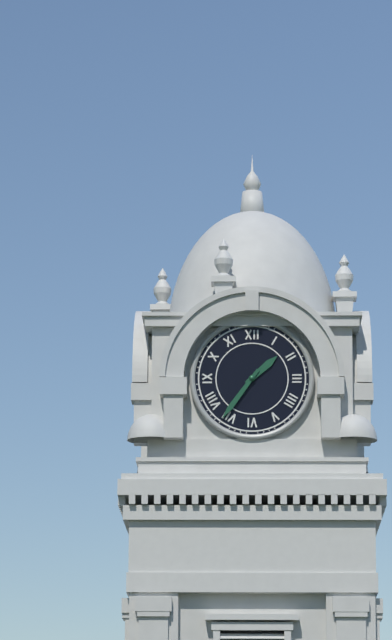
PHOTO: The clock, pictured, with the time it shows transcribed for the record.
1:36
